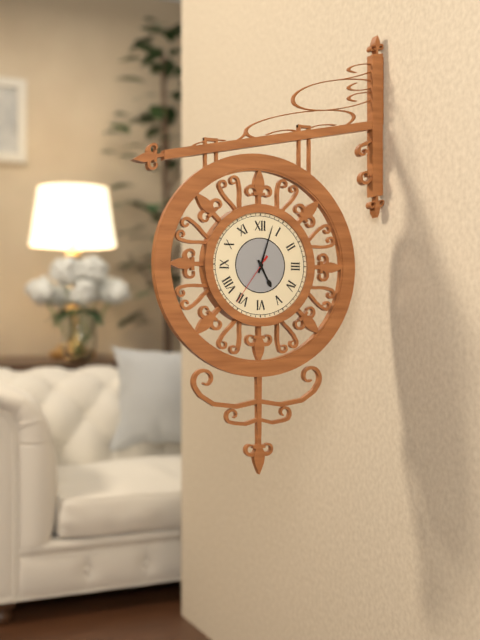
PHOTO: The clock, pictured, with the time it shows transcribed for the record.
5:03:36
